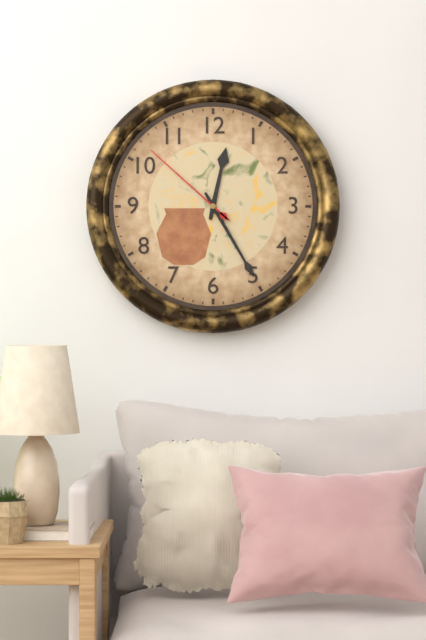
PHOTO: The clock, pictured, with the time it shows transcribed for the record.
12:25:52
